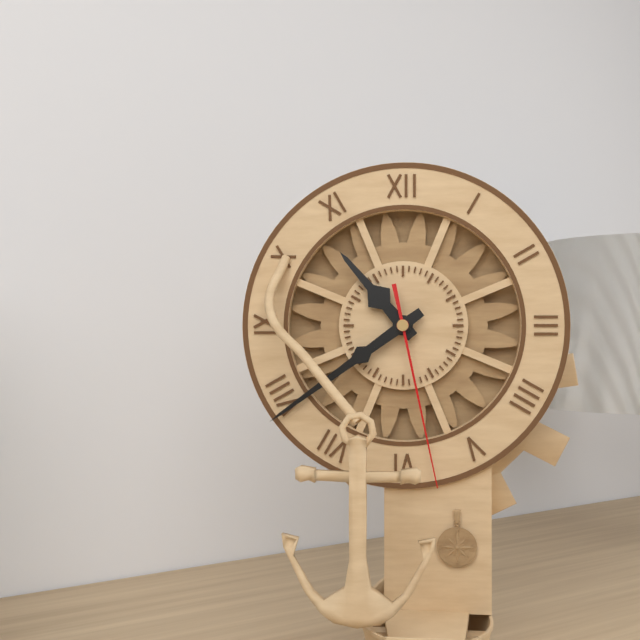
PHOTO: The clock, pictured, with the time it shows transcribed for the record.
10:39:28
